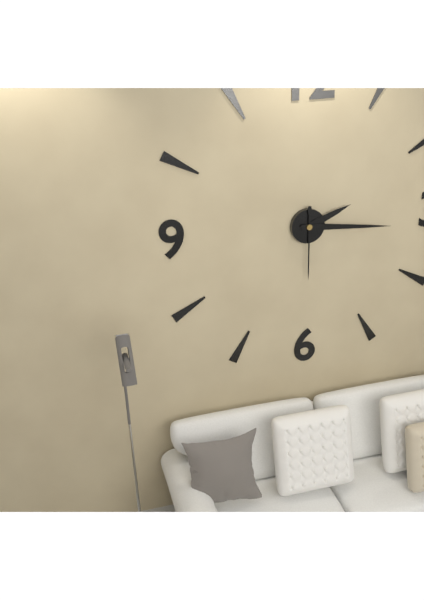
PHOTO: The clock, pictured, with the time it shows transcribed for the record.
2:16:30
